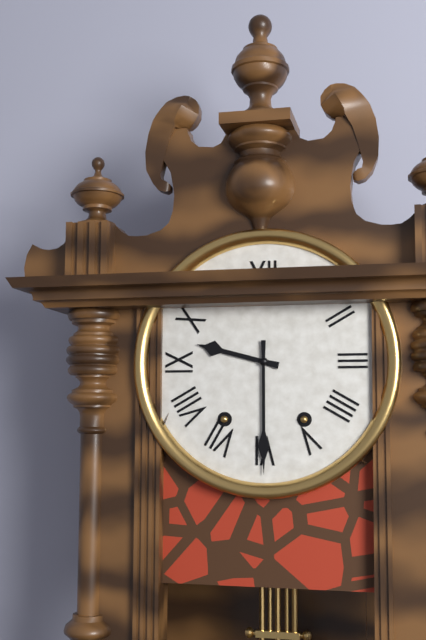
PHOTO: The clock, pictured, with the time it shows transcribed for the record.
9:30
